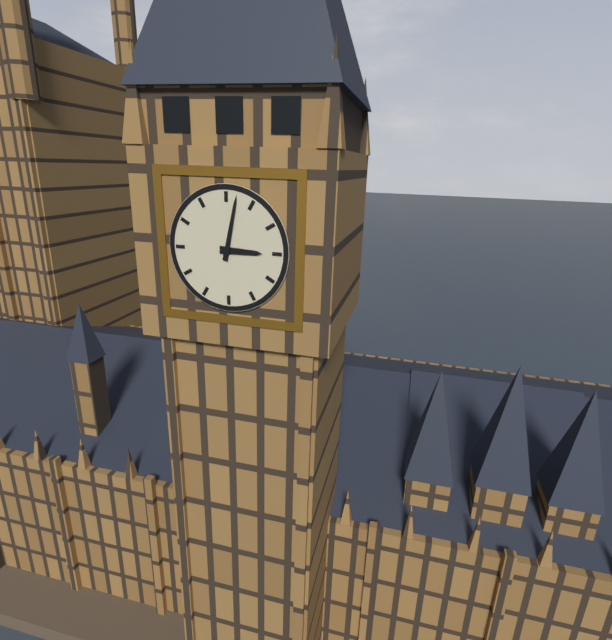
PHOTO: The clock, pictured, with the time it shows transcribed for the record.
3:02
